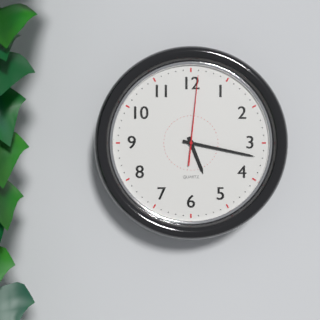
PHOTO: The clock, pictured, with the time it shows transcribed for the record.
5:17:01
